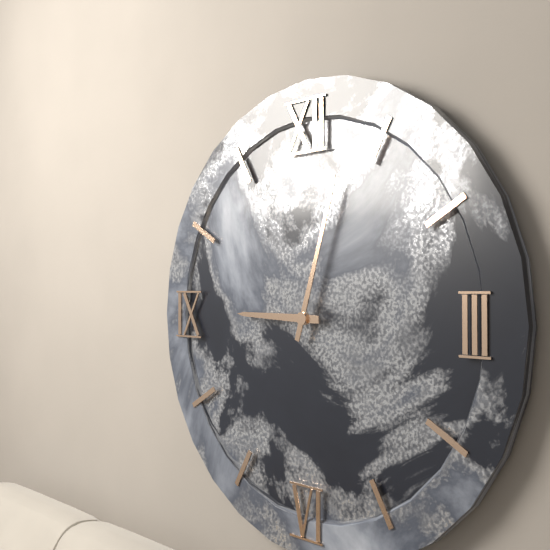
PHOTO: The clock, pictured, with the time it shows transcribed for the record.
9:03
